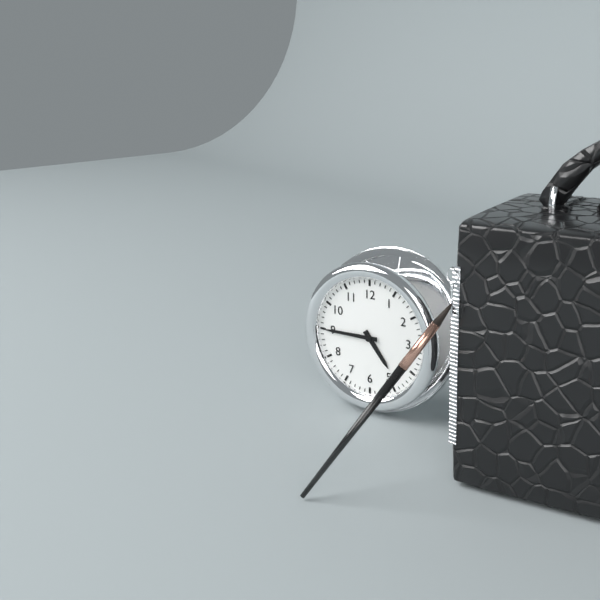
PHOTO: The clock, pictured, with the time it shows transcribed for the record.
4:45
